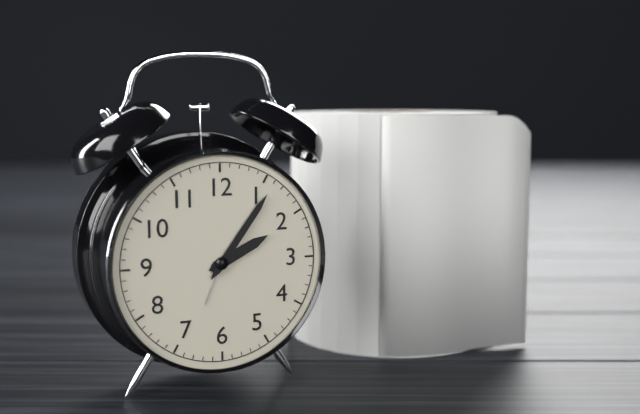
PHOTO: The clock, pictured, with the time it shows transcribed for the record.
2:06
